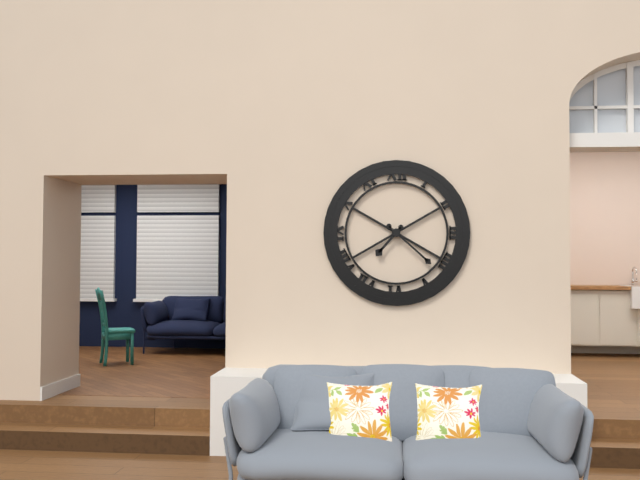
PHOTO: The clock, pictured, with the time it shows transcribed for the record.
7:22
